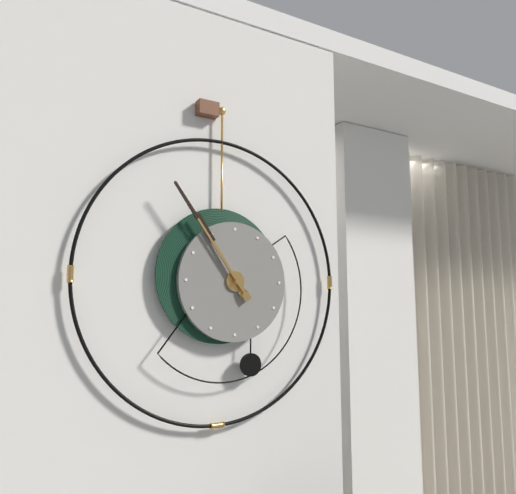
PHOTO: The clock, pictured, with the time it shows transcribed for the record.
10:54
